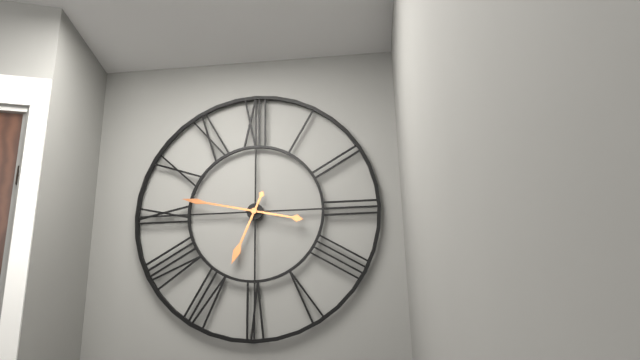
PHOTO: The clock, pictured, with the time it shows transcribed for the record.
6:47
